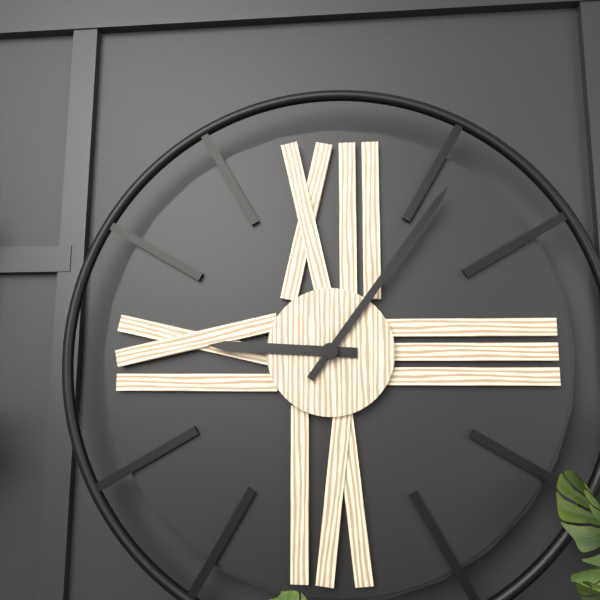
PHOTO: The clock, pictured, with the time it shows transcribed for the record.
9:06
